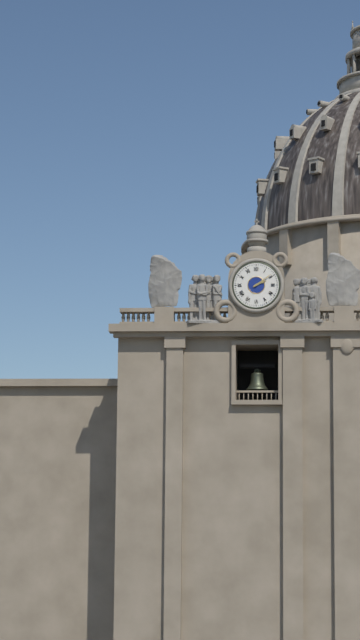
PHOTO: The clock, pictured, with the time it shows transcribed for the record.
2:09
